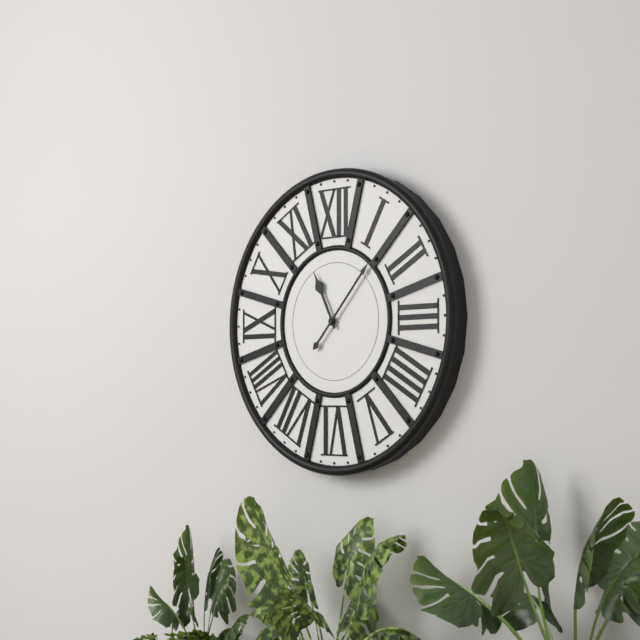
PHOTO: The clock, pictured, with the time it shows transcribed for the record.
11:07
